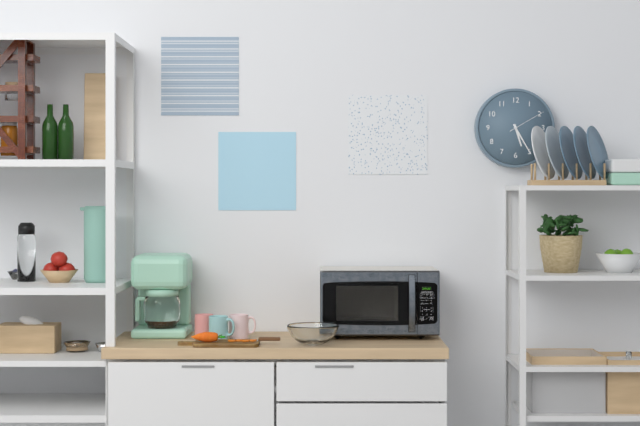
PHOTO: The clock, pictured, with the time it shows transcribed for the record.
5:25
